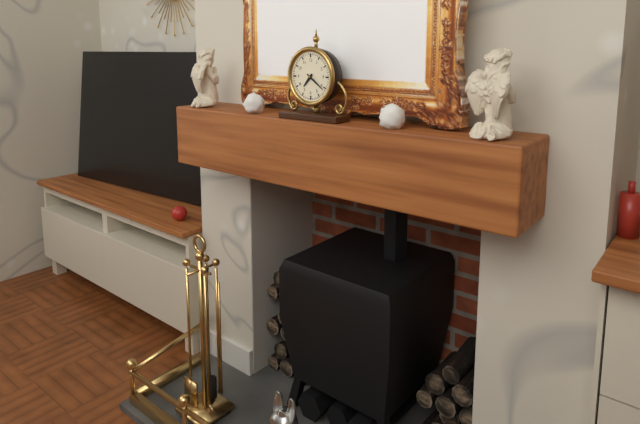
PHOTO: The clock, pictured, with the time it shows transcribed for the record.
7:21
